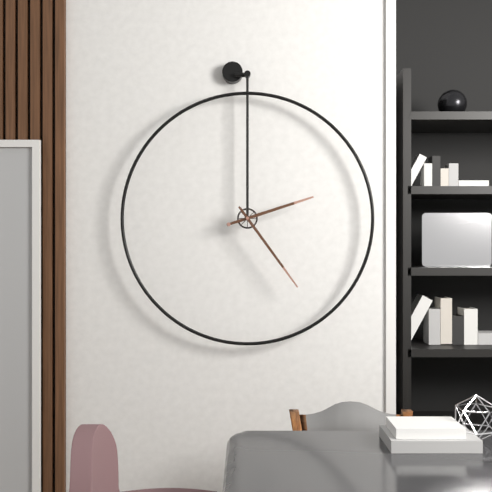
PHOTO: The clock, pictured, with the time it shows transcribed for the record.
2:24
